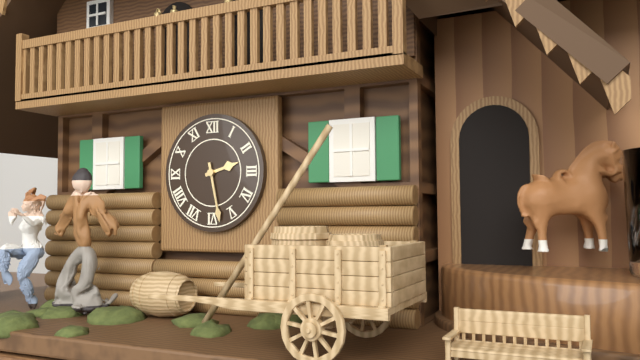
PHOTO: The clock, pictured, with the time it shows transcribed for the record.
2:28
